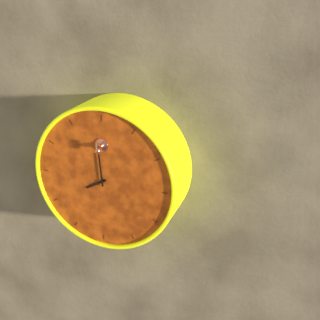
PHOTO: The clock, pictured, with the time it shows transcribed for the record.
7:59
